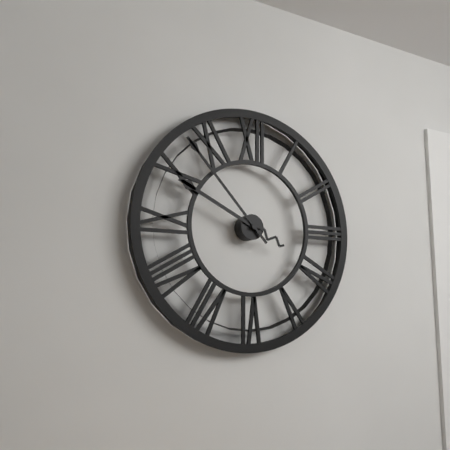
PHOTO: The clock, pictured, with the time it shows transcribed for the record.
9:53
